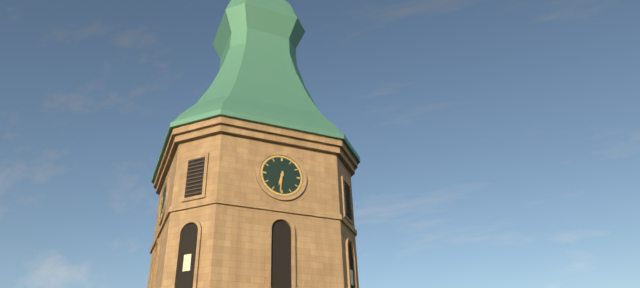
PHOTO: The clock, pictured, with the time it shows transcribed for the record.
6:31
